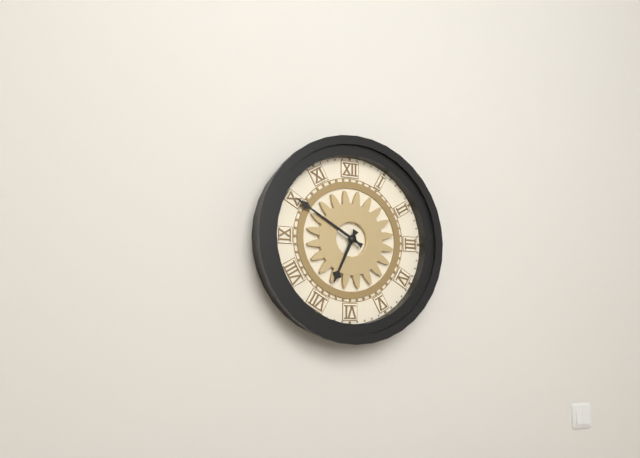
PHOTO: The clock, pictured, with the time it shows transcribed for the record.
6:50
